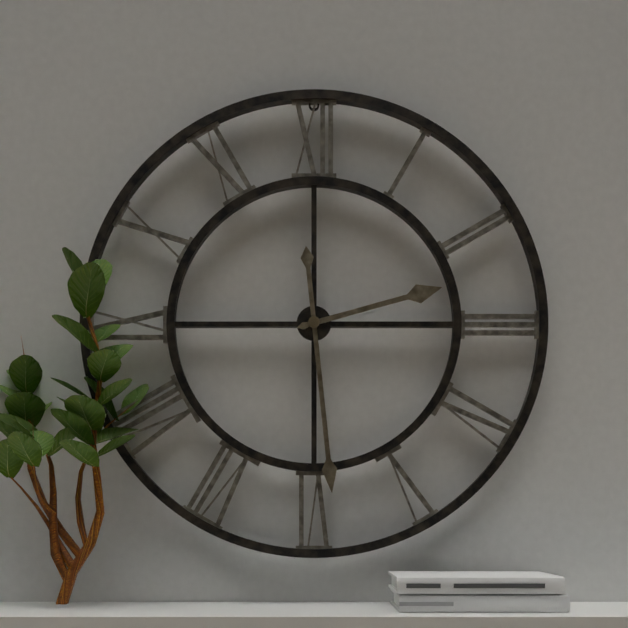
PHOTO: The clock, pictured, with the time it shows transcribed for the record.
2:29
